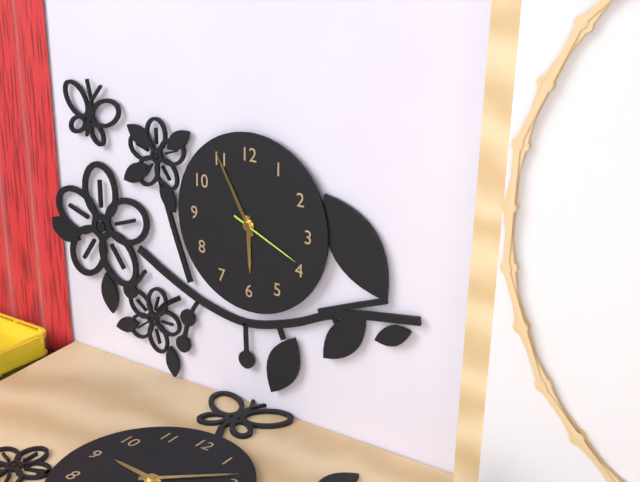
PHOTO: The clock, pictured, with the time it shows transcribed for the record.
5:55:19
